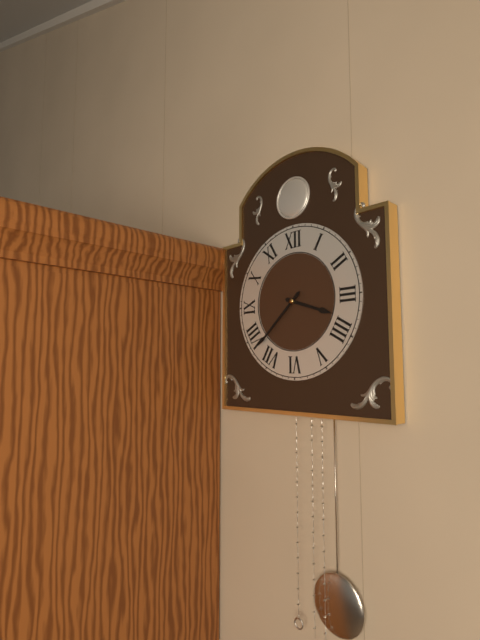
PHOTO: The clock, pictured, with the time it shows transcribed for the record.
3:38
